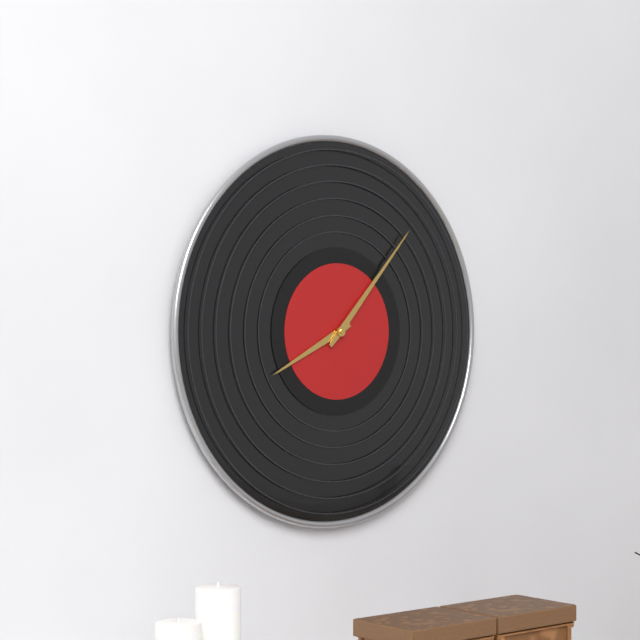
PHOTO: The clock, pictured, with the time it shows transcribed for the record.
8:07
